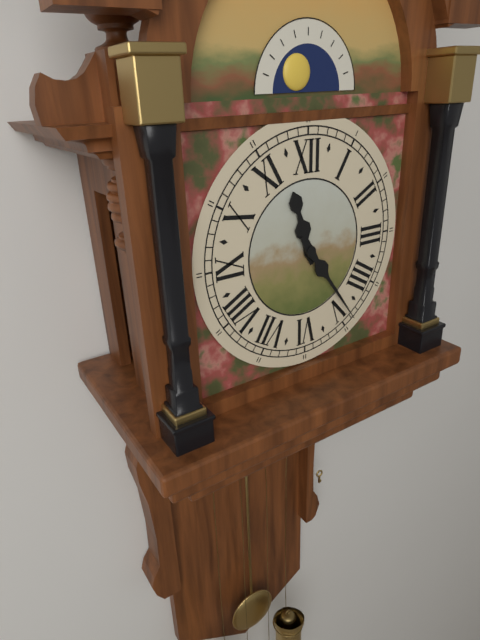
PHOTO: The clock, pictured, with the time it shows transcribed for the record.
11:24
